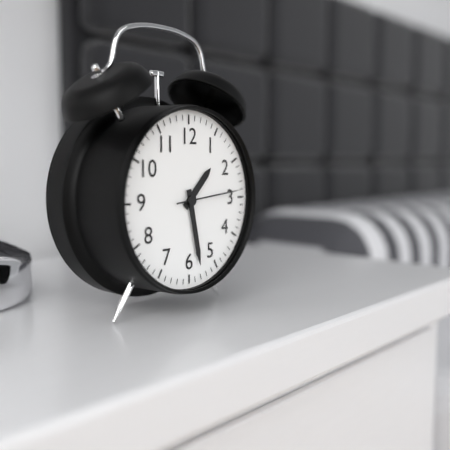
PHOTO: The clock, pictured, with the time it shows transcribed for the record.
1:28:14
